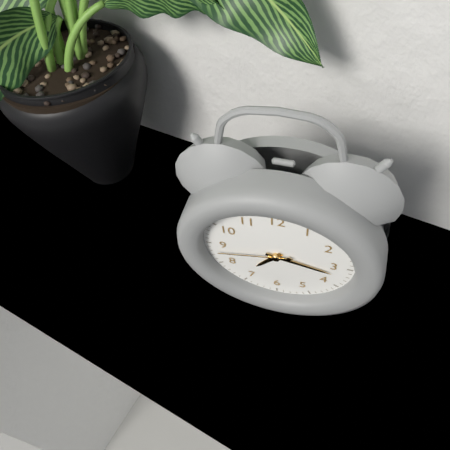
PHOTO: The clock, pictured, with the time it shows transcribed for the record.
7:17:43
